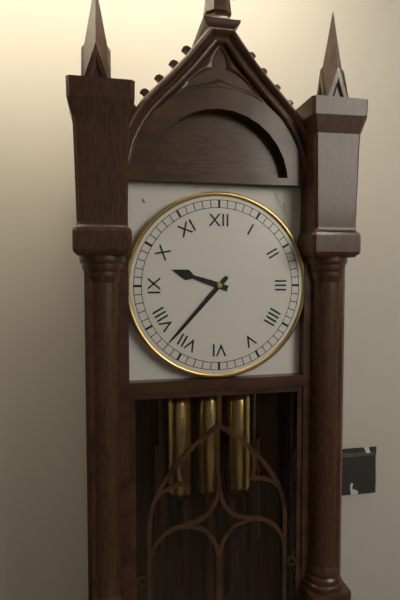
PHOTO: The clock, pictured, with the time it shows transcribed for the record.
9:37
